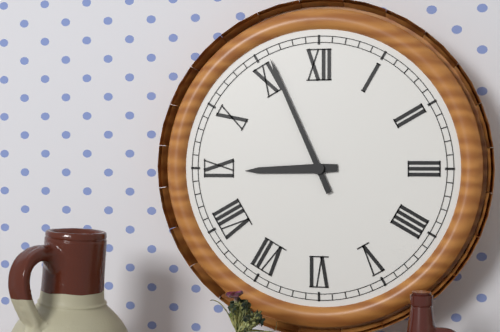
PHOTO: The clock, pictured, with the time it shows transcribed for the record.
8:56
